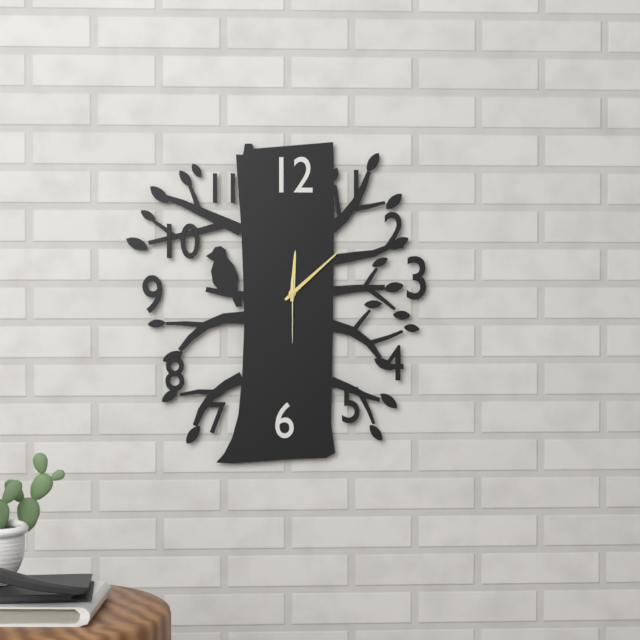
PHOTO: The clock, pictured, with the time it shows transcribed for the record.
12:08:30
